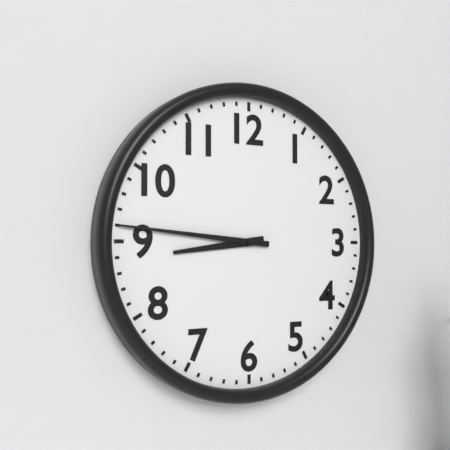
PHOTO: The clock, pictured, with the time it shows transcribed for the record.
8:46
